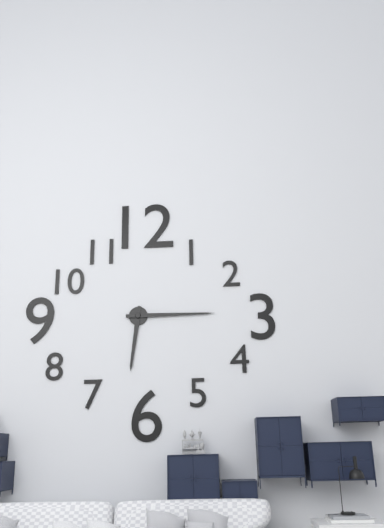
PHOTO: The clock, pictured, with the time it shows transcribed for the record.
6:15
